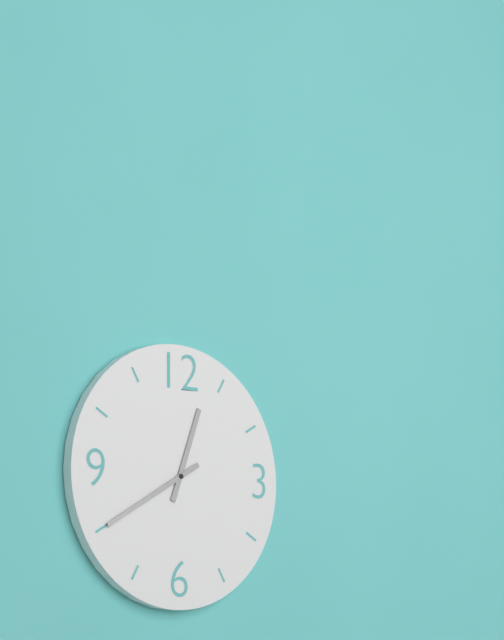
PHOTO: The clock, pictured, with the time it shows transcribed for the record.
12:40
